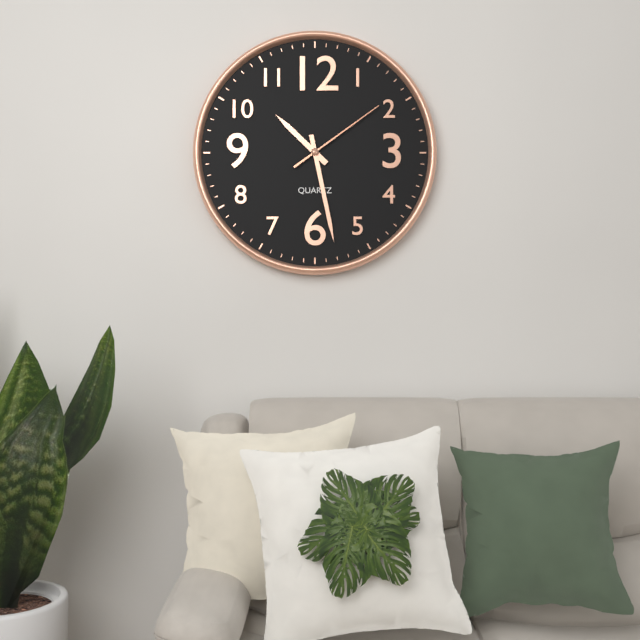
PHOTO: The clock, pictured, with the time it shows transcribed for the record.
10:28:09
